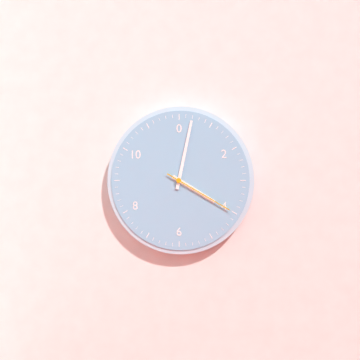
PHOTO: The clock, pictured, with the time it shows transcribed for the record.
4:02:20
